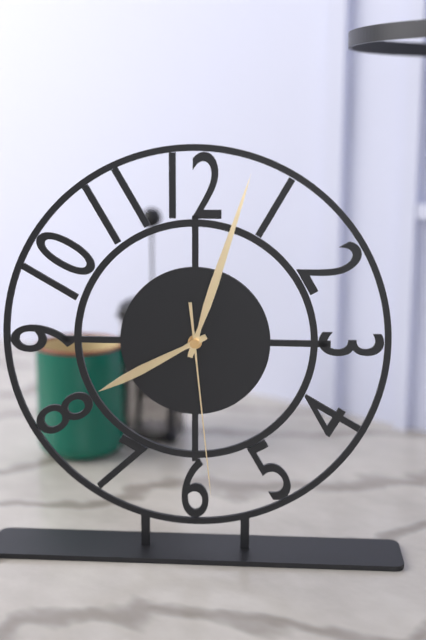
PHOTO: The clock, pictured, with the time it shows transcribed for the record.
8:03:29
